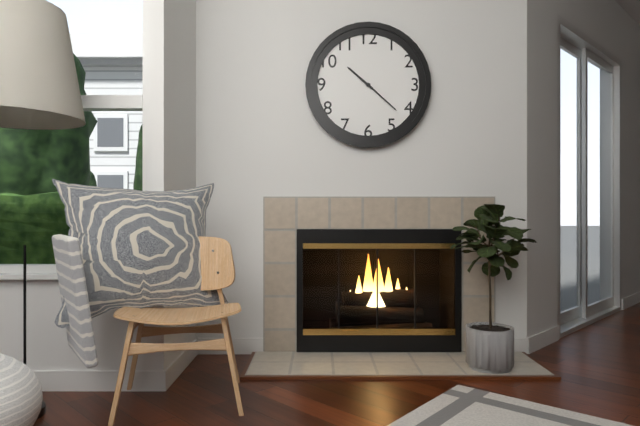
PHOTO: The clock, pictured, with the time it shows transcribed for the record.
10:22
